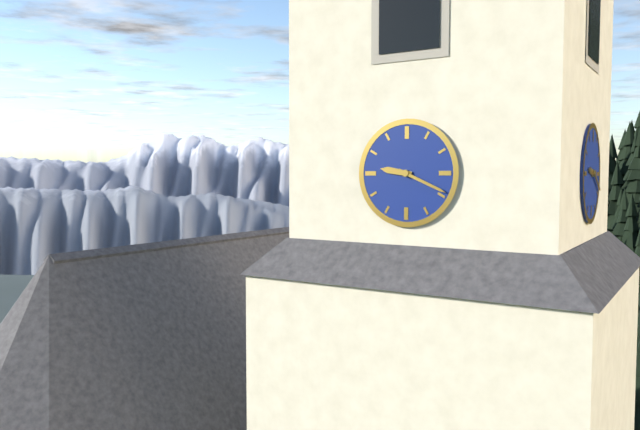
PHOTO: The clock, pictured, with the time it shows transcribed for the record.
9:19
